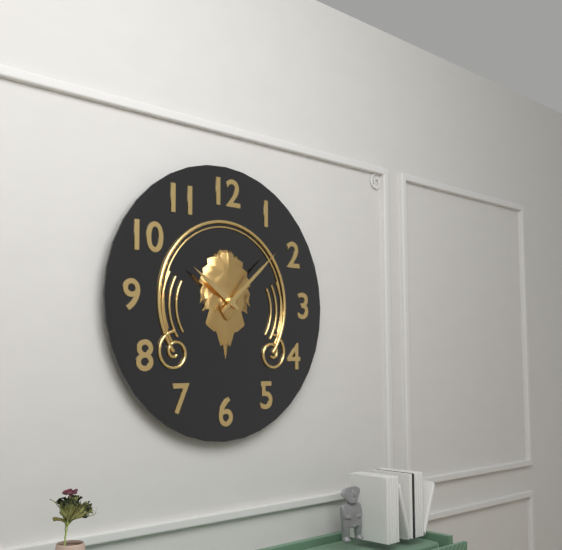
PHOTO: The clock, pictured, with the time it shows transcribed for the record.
10:08
